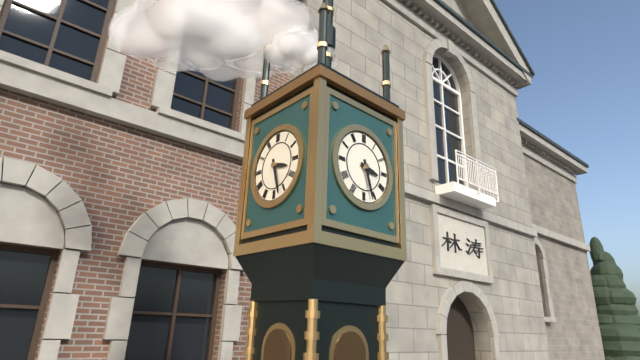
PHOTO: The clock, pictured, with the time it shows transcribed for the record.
3:27
